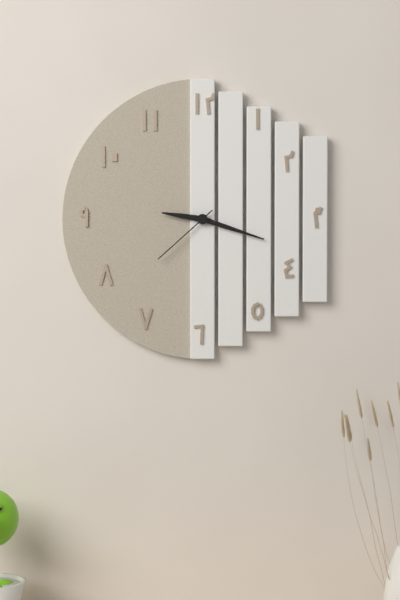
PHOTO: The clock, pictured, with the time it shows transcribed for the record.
9:18:38
